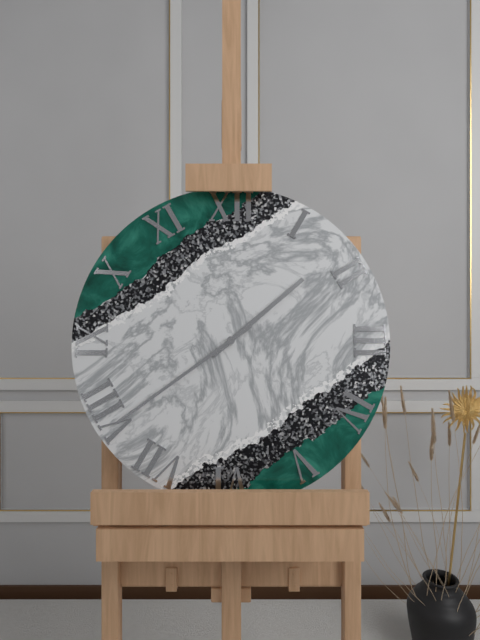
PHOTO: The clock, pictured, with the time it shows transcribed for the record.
1:39
